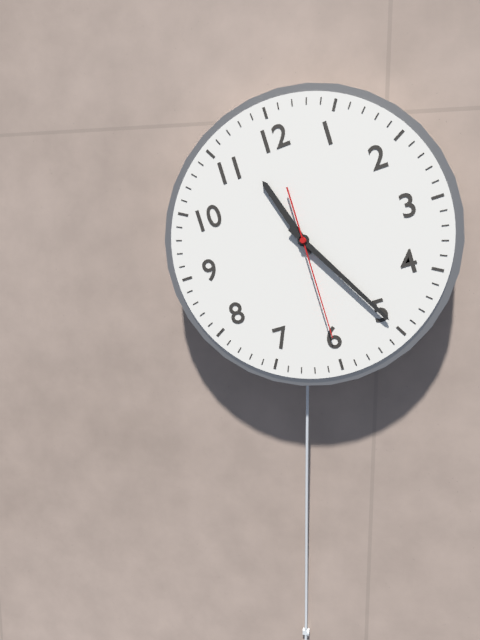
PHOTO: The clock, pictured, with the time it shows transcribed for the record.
11:25:30
